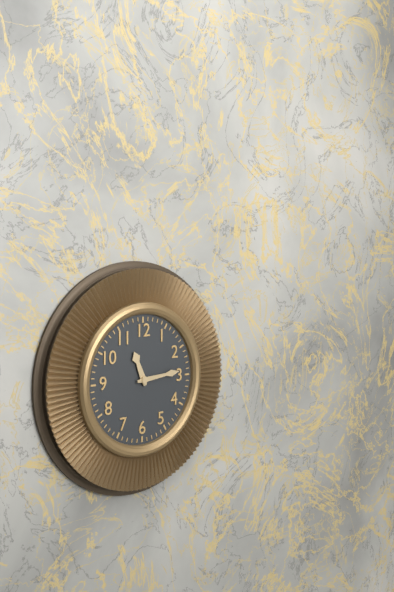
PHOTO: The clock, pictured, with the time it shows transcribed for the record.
11:14
